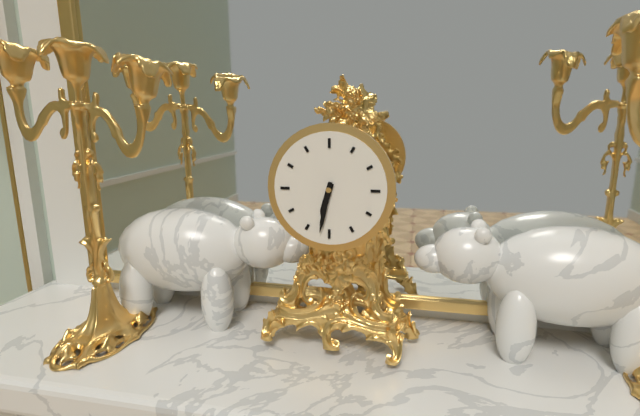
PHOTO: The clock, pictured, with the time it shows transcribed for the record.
6:32
